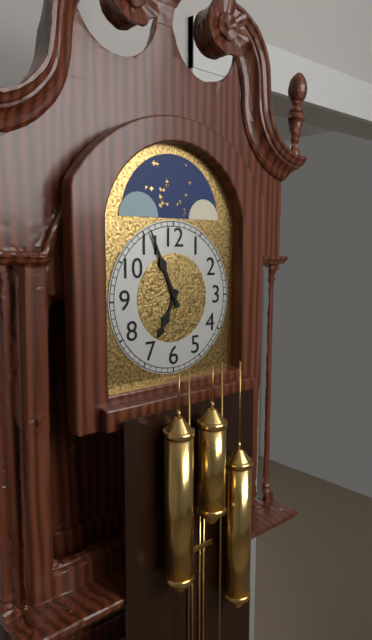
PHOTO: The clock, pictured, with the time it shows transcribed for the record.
6:56
